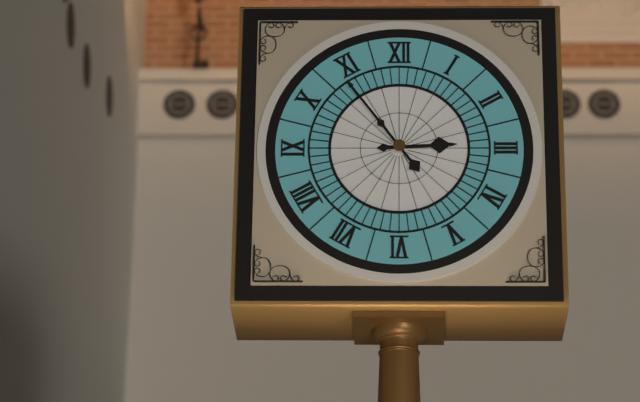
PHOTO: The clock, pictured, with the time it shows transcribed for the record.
2:54
